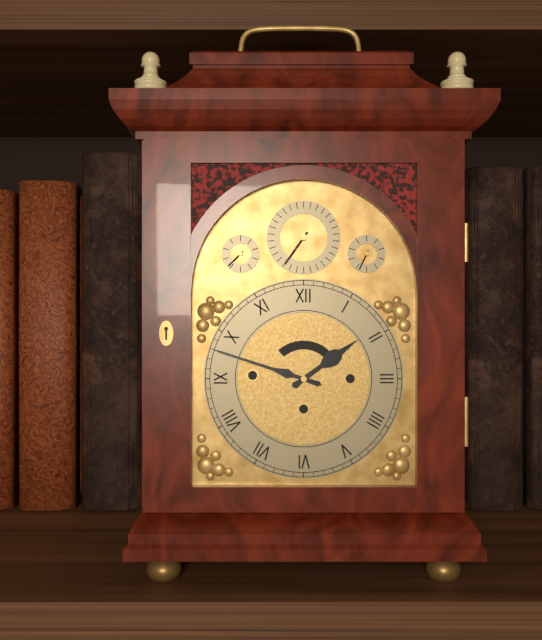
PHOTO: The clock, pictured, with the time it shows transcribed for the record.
1:48
